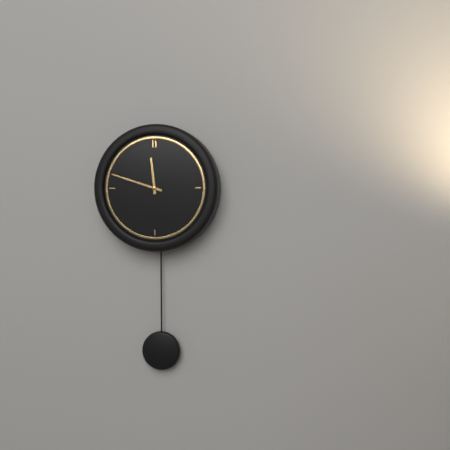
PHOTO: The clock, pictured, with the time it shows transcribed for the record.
11:48
